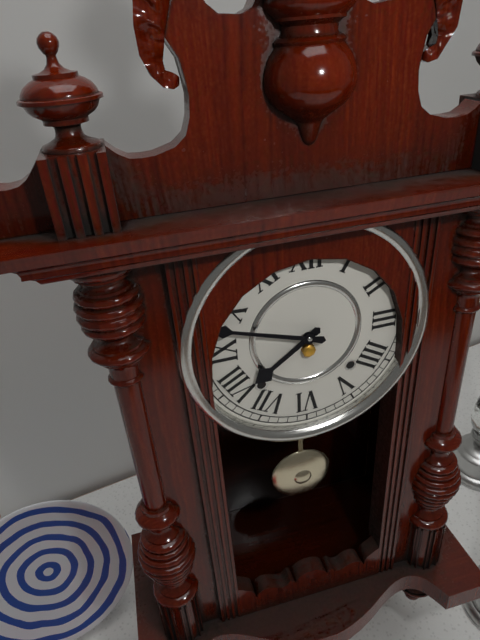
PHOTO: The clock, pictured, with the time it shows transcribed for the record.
7:48
